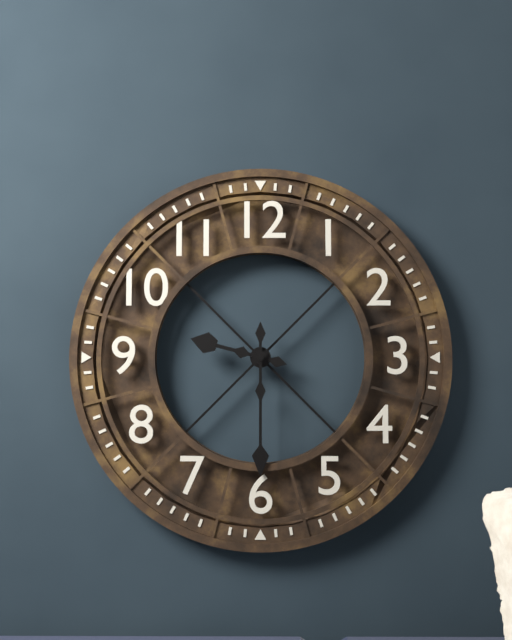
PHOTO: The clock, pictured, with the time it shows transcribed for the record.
9:30
